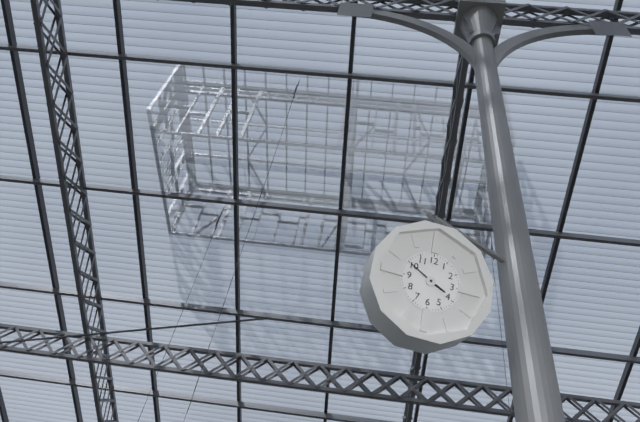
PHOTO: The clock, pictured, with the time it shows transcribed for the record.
3:50
